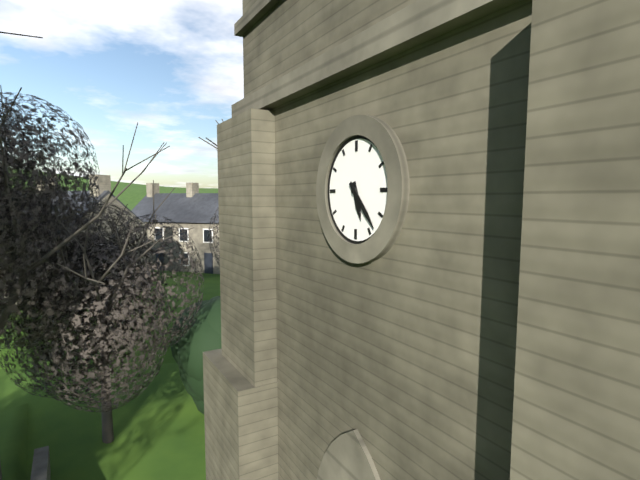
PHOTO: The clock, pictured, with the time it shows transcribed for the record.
5:23
